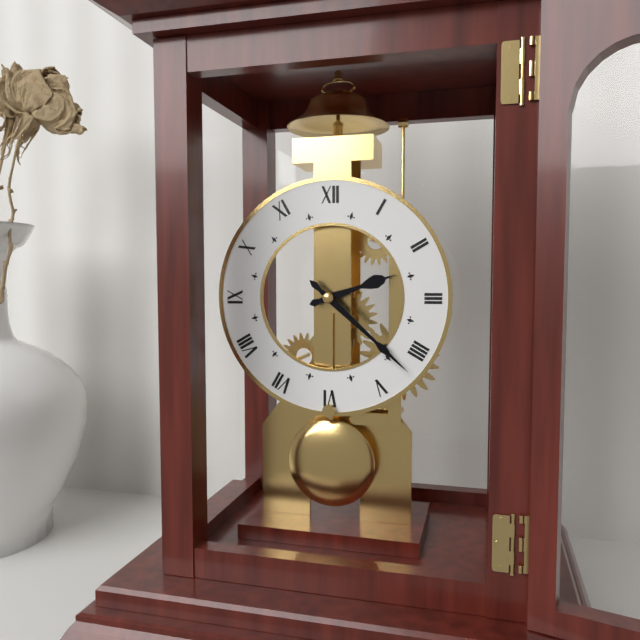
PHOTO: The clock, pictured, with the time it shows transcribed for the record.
2:22
